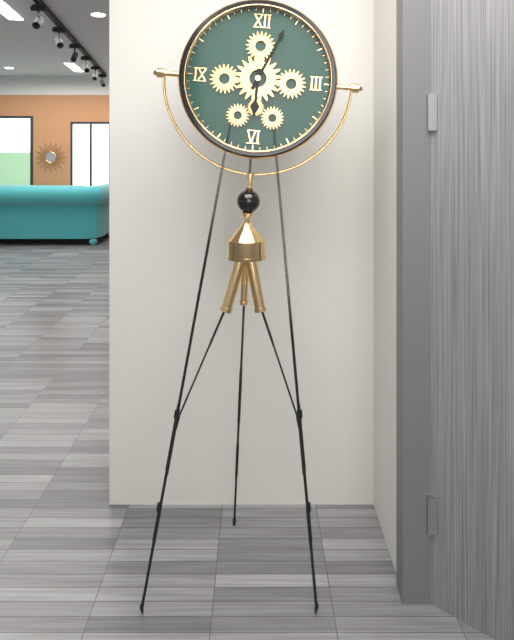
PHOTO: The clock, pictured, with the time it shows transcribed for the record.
6:04
